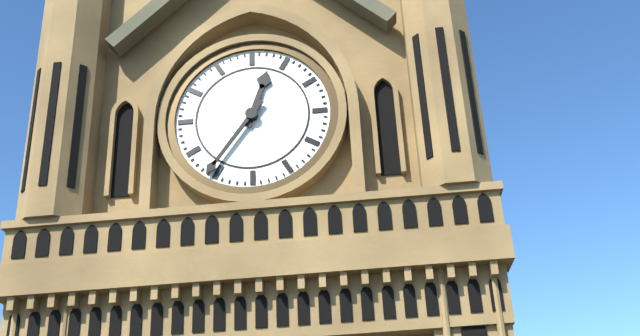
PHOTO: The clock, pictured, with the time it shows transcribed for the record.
12:36
